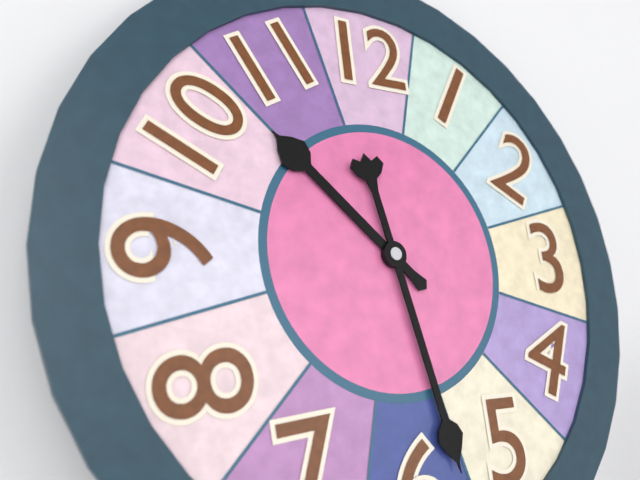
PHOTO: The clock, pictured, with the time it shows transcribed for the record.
10:28
